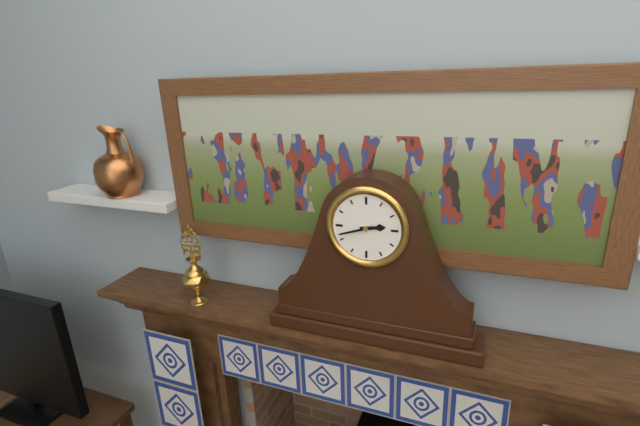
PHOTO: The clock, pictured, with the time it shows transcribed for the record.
2:42
